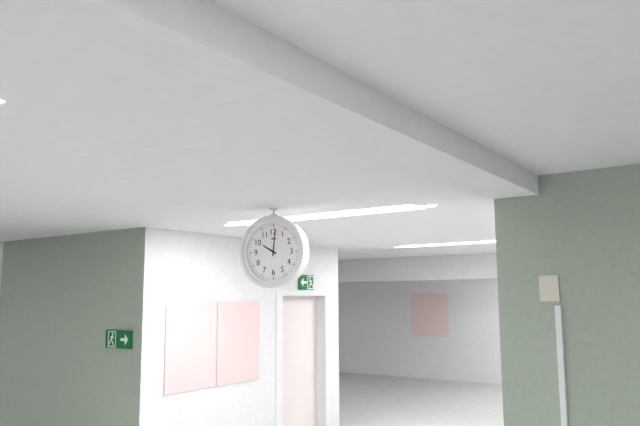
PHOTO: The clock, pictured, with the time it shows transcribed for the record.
10:01
